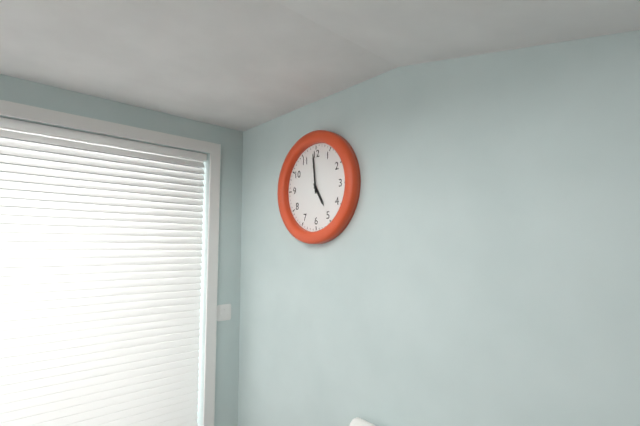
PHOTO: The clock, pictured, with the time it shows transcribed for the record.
4:59
